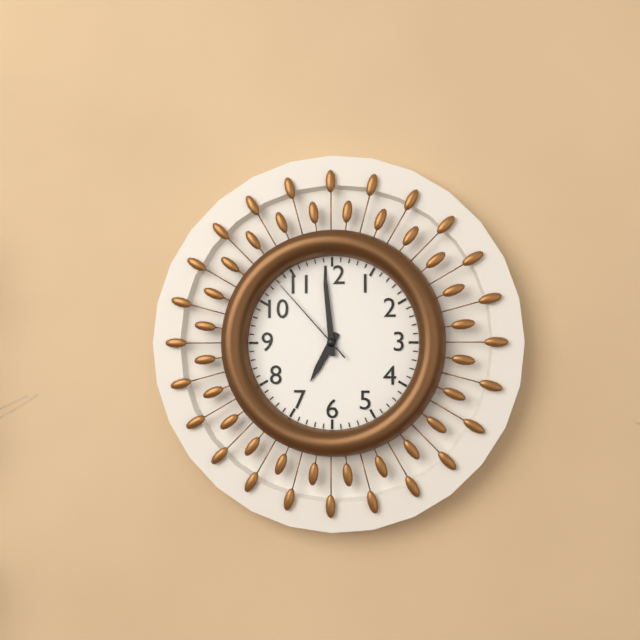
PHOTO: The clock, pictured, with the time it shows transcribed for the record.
6:59:53
